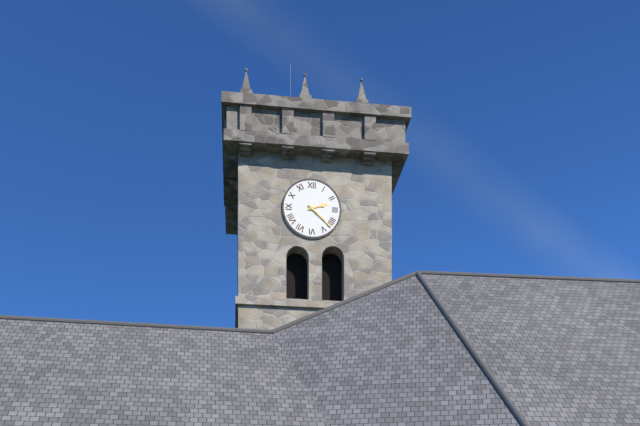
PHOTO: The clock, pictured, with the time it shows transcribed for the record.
2:22
